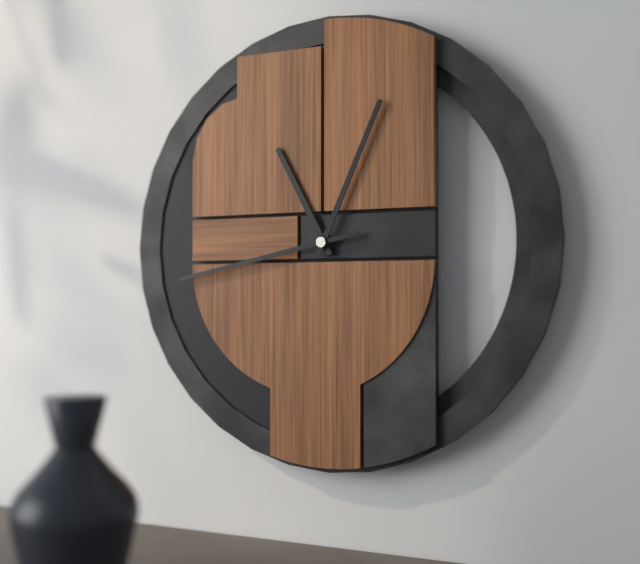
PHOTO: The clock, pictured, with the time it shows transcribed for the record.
11:04:43
